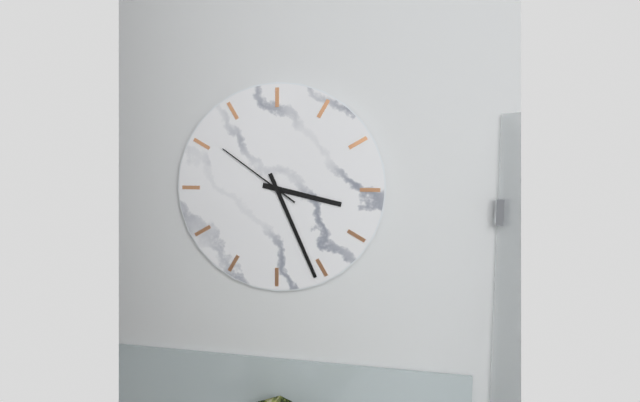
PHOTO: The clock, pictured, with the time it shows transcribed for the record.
3:26:51
